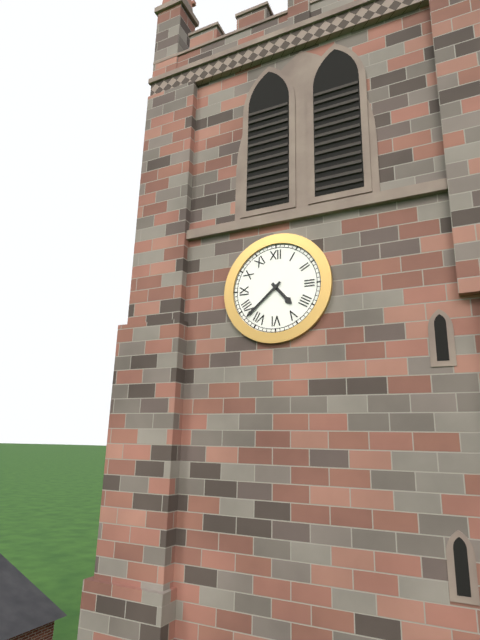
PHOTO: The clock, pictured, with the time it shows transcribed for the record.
4:38
